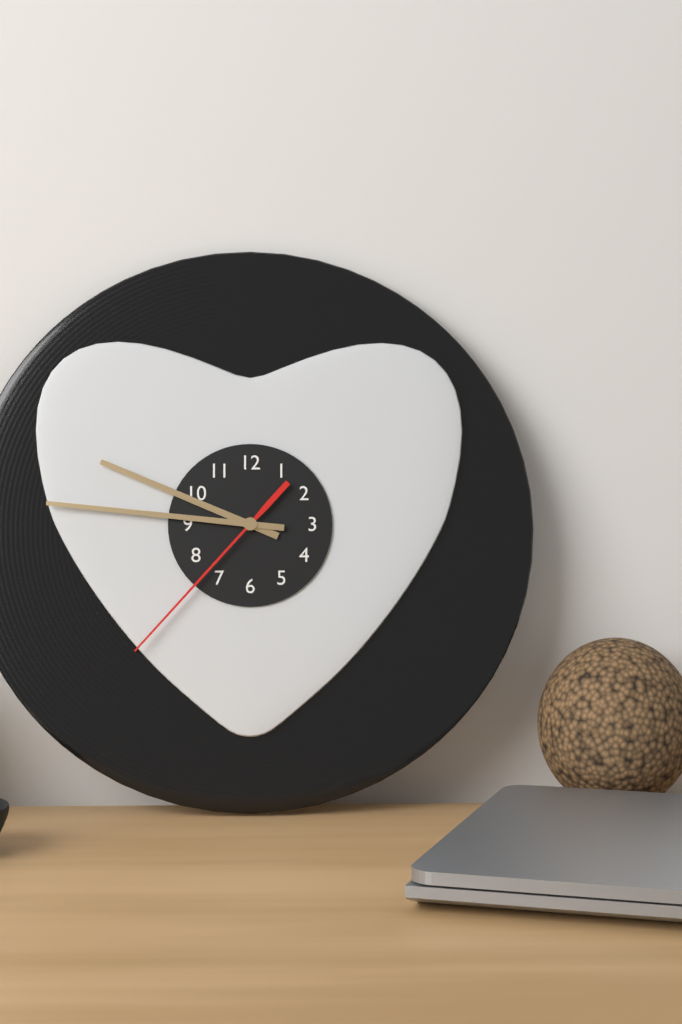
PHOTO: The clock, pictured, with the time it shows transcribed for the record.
9:46:37
